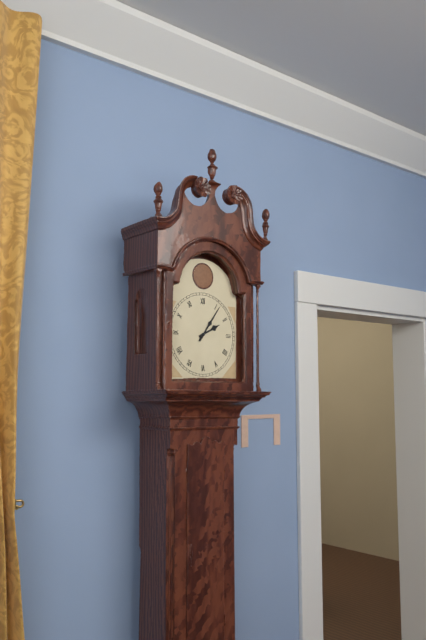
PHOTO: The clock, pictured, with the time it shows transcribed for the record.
2:06
